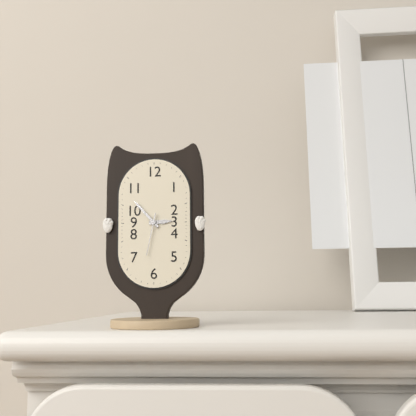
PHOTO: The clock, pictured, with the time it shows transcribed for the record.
2:53
